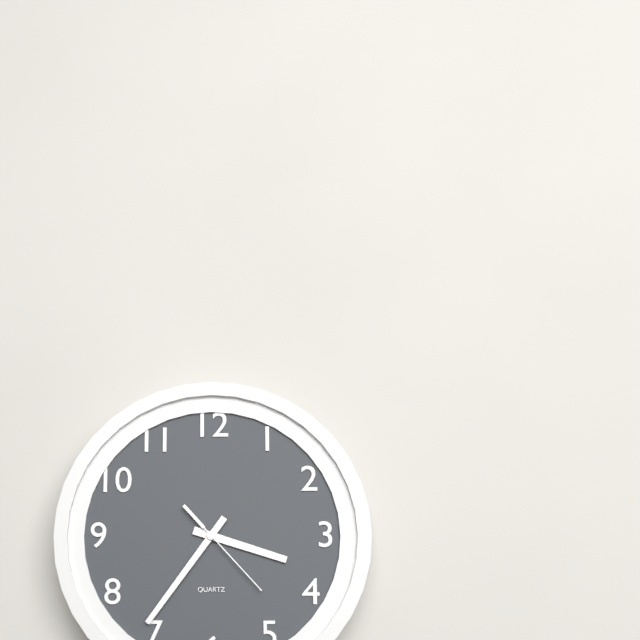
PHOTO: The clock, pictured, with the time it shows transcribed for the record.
3:36:23
